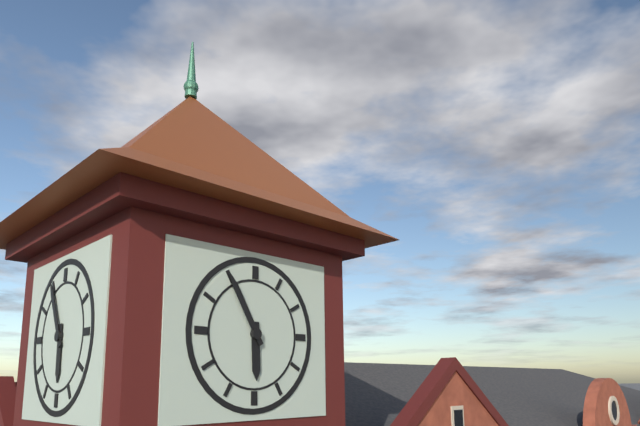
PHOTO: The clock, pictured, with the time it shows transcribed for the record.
5:55
